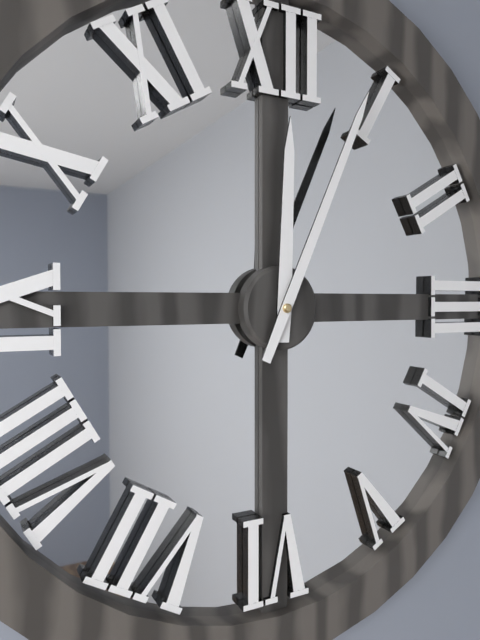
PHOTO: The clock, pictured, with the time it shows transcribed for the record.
12:04
